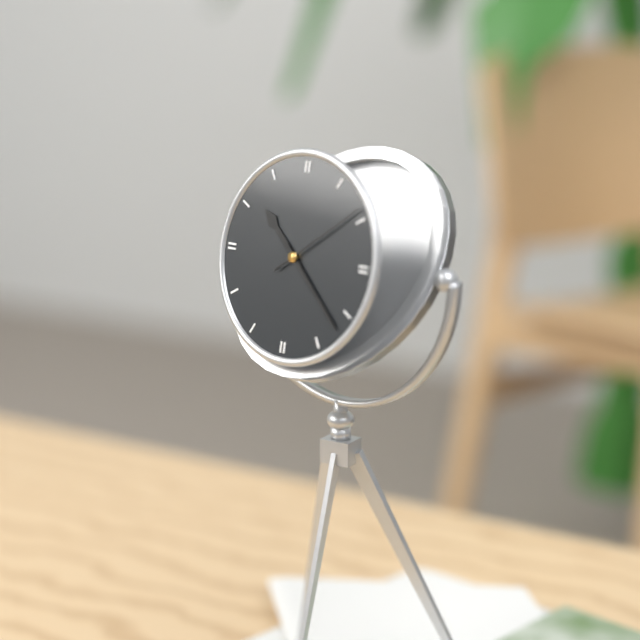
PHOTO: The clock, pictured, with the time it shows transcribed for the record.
10:22:09
